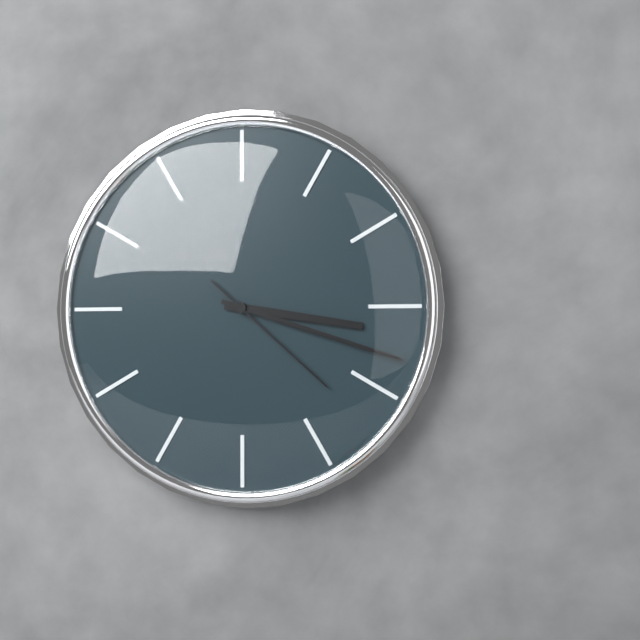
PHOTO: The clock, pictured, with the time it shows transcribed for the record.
3:18:22
